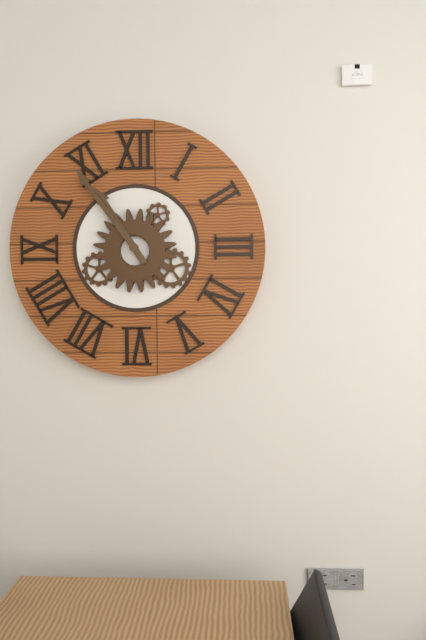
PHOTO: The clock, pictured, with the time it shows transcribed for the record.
10:54
